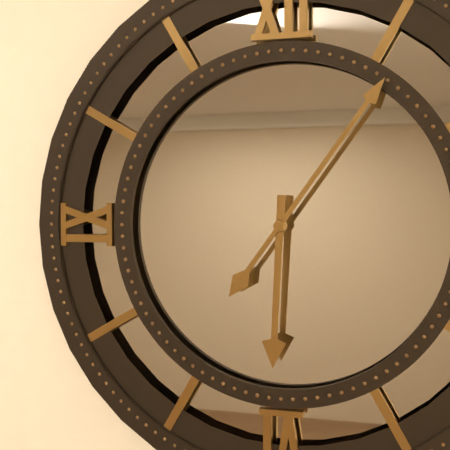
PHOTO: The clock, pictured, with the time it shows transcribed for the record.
6:06
